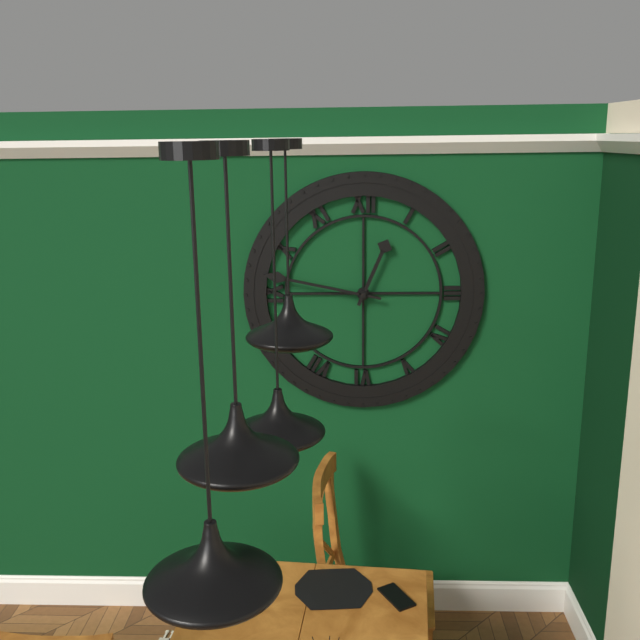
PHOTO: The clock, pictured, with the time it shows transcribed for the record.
12:47
